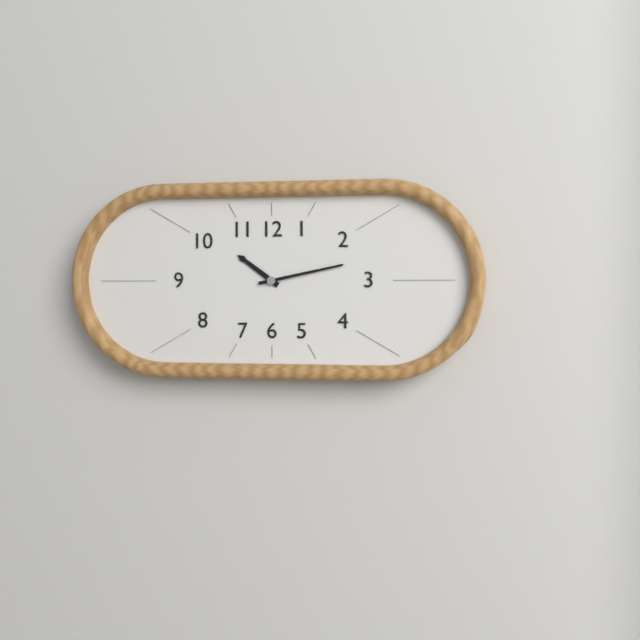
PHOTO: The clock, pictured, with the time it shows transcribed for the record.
10:13
